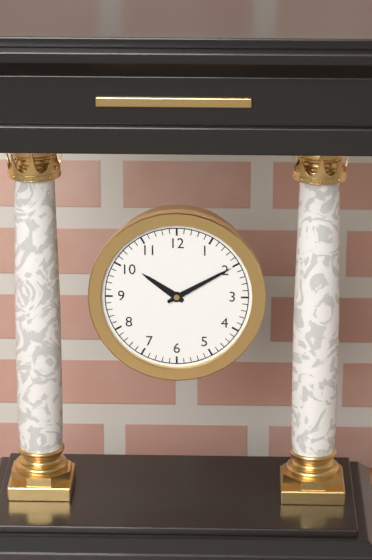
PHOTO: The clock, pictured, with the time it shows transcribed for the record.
10:10
